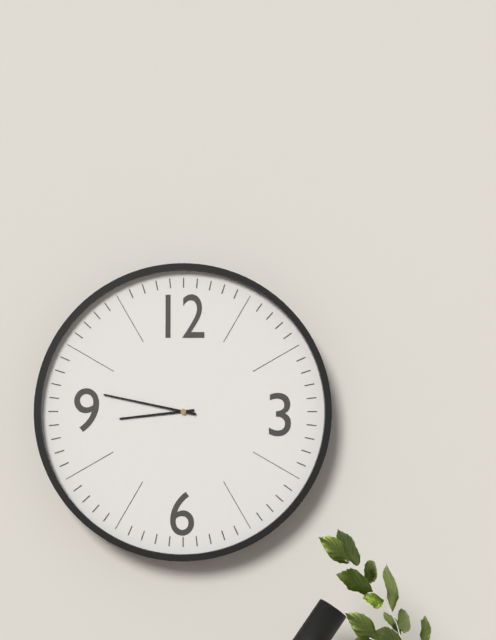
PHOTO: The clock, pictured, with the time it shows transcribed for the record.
8:47
